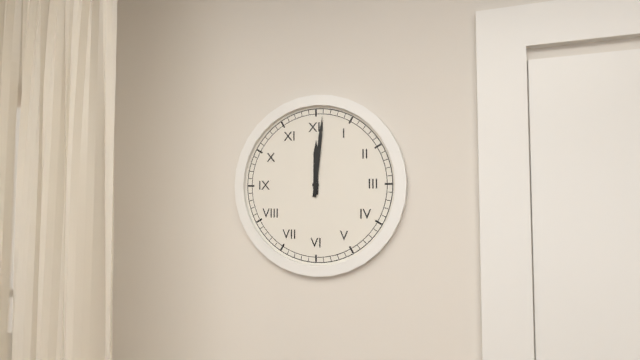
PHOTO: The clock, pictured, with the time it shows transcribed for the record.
12:01
